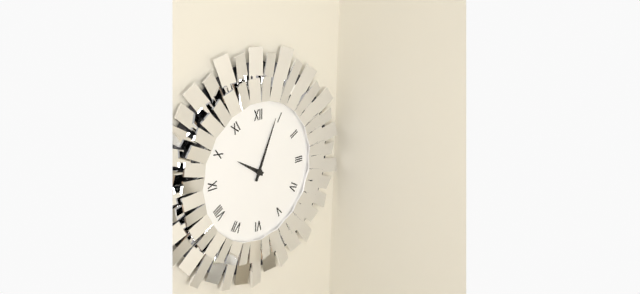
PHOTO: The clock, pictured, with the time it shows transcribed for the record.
10:04
